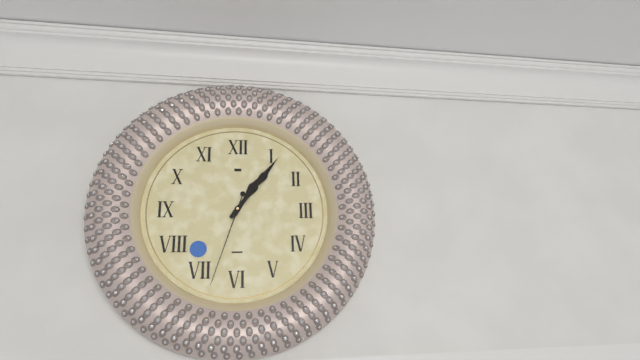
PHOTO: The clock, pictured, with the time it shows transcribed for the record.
1:06:33
